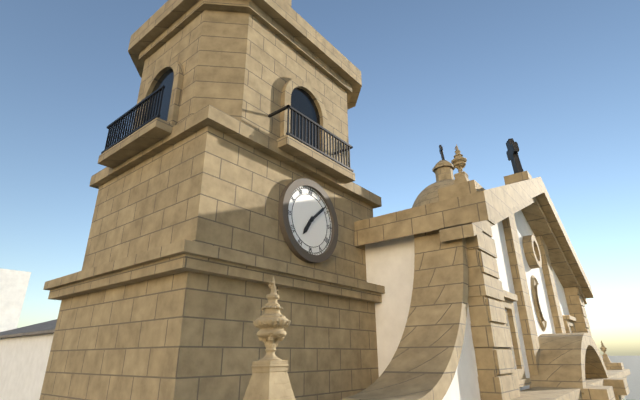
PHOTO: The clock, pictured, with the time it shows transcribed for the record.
7:08
